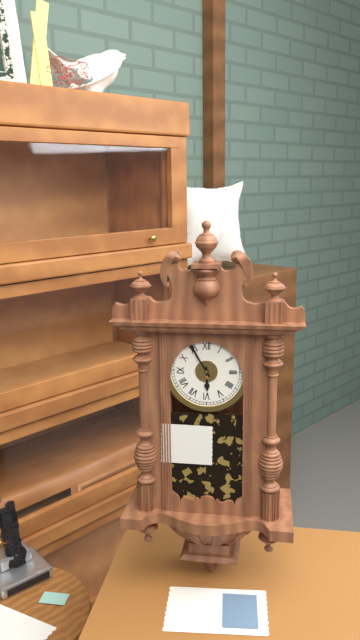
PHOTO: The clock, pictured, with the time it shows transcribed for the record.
5:55
